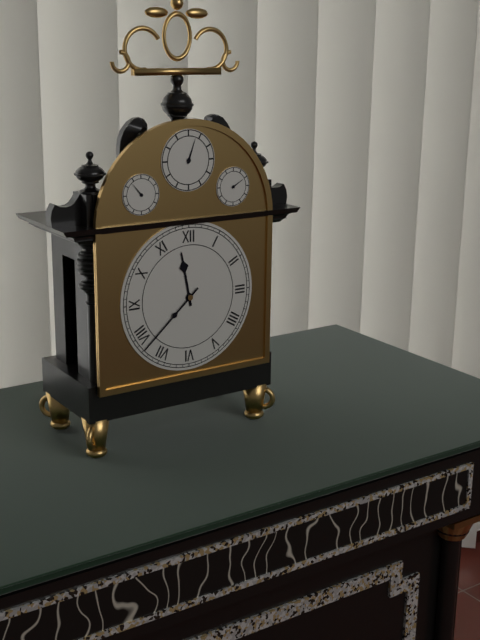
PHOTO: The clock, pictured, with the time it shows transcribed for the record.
11:38
